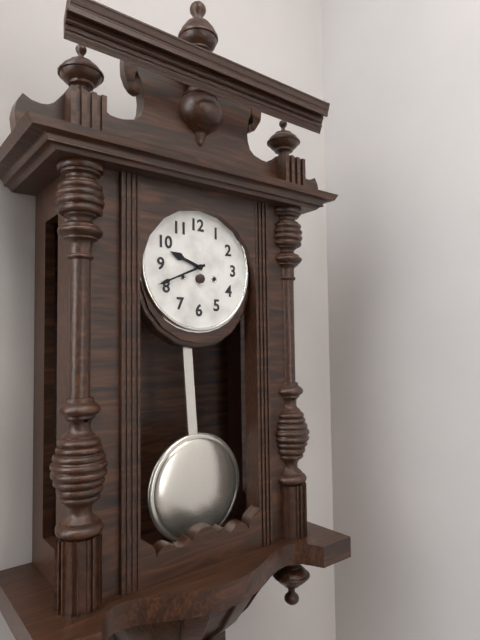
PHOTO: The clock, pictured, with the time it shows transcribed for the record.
9:41
